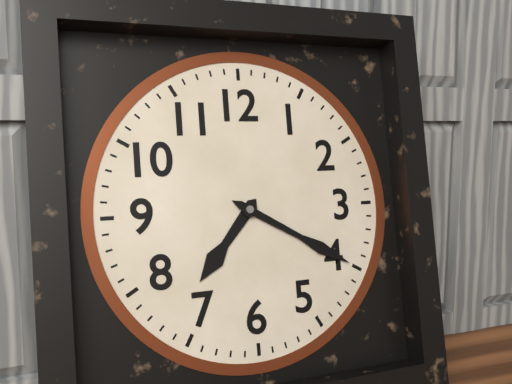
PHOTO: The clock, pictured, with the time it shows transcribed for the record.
7:20
